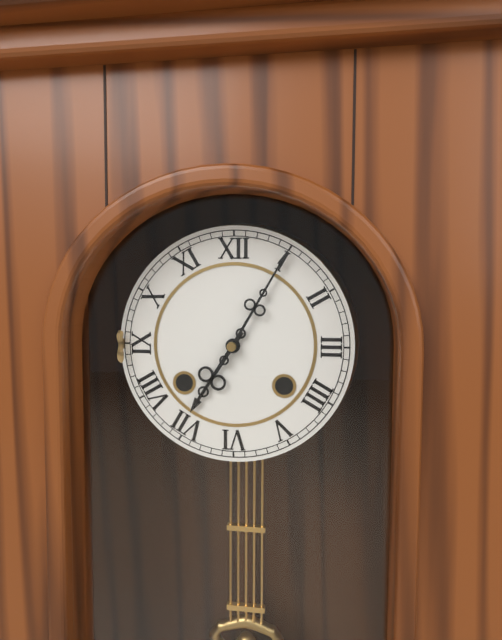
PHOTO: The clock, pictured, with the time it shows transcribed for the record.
7:05
